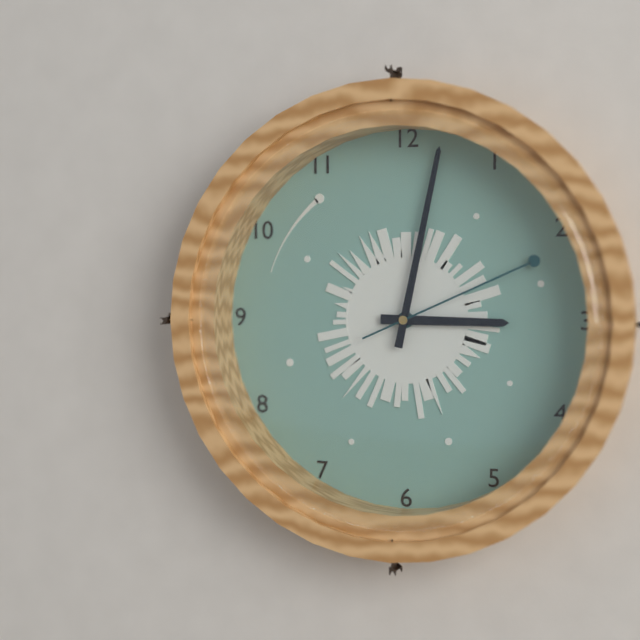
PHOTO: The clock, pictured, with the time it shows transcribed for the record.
3:02:11
